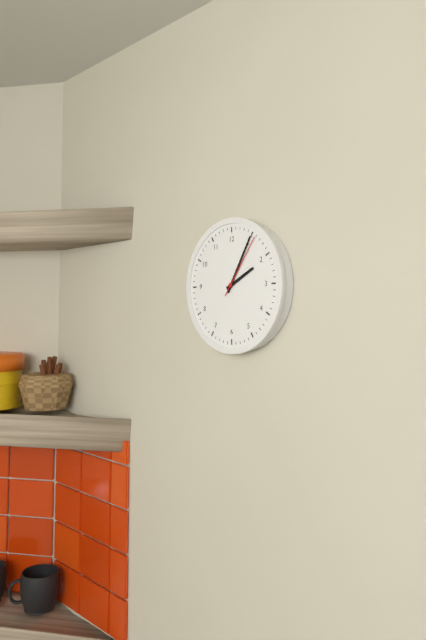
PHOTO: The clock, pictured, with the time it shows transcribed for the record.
2:05:06
